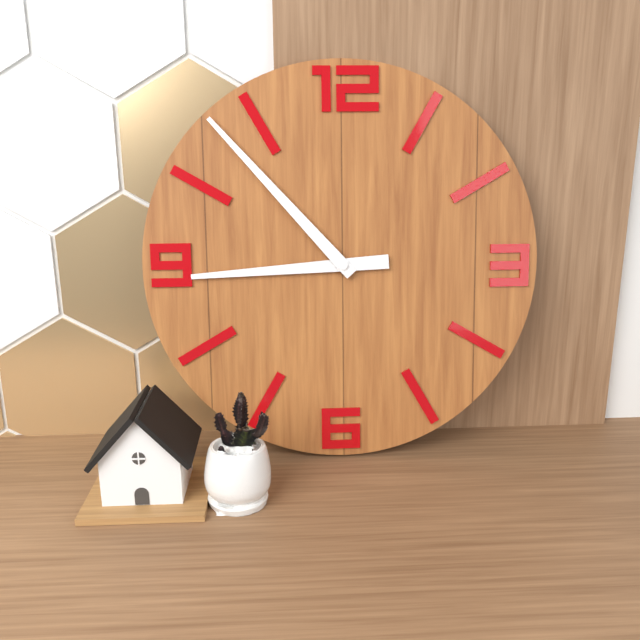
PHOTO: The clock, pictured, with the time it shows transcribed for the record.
8:53
